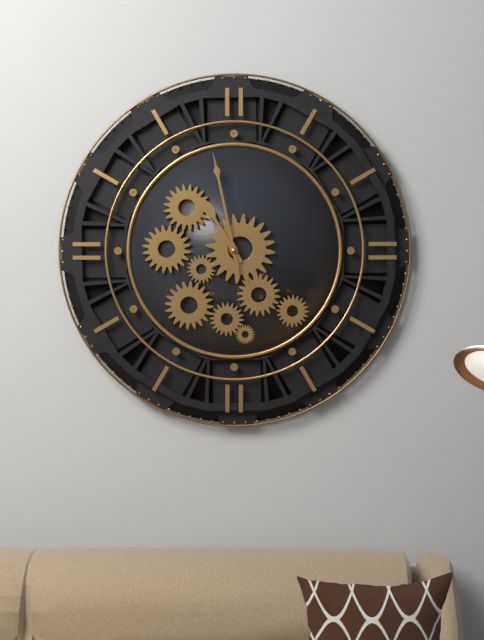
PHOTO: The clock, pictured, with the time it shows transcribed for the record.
10:58
